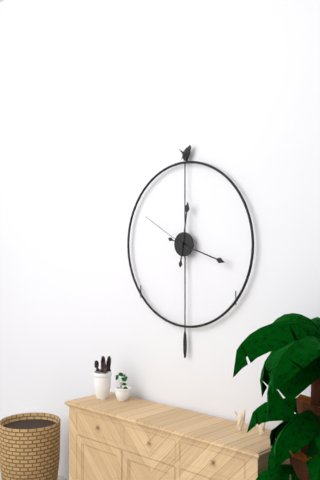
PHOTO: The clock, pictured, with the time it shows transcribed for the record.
12:18:50
